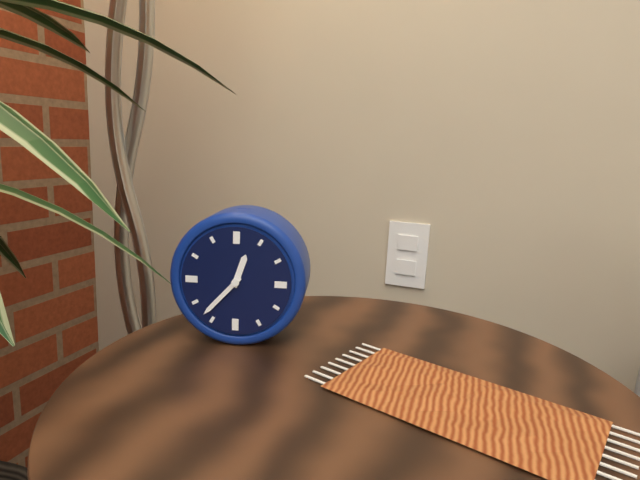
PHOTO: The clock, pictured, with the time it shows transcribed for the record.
12:37
